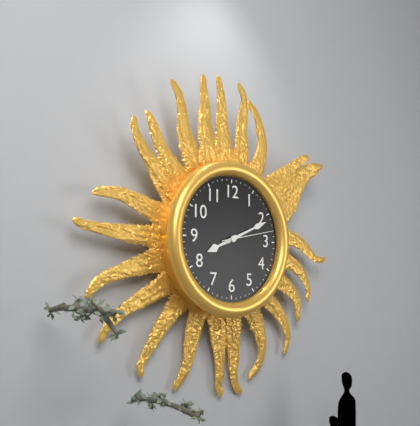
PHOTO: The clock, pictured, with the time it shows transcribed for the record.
8:11:13
